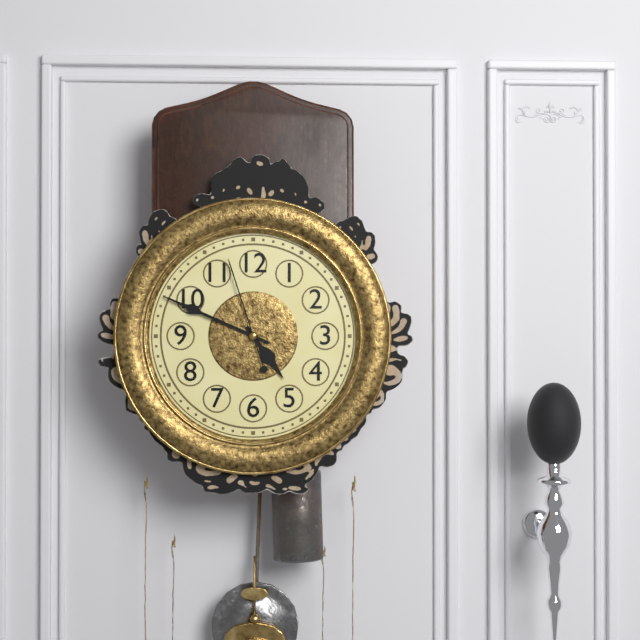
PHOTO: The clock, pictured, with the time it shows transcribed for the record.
4:49:57
